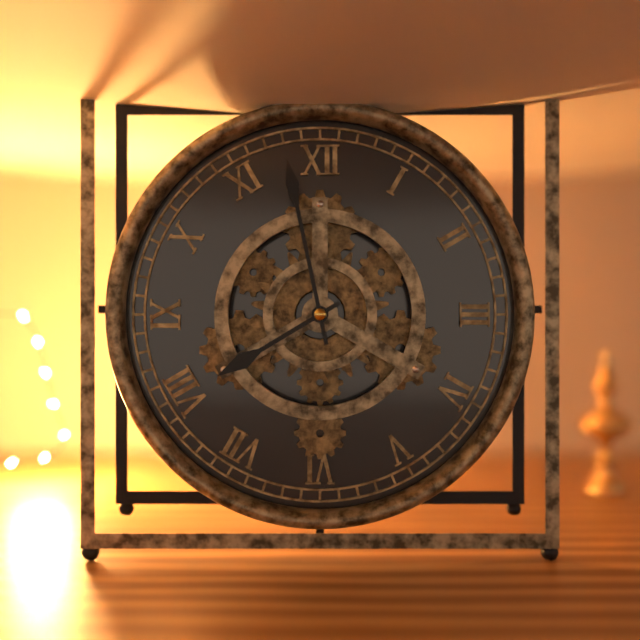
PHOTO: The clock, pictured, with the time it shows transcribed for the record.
7:58
